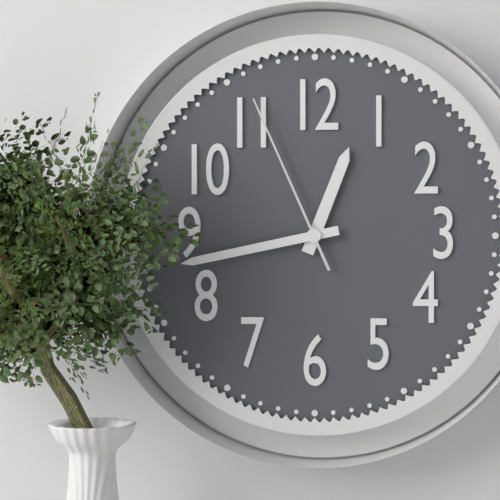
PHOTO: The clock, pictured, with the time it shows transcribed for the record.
12:43:56
